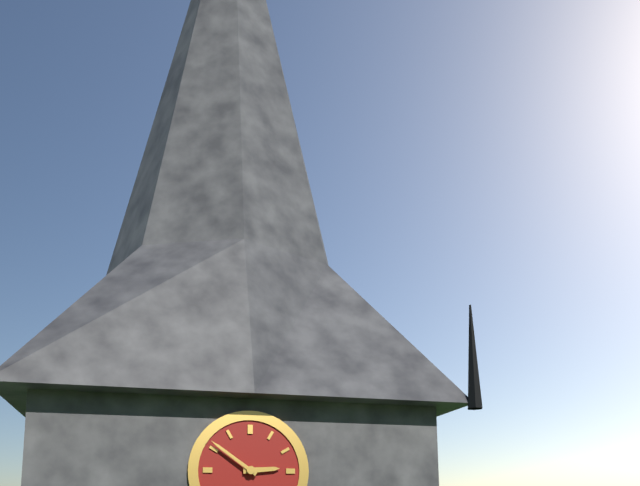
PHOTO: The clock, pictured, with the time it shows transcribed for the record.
2:51
